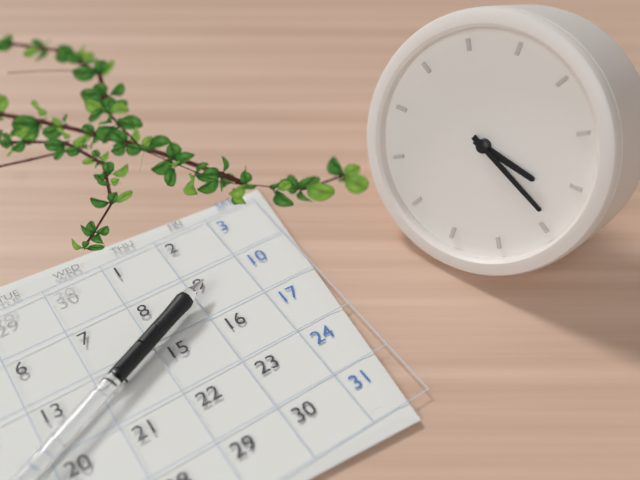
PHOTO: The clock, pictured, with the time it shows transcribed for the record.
3:19
